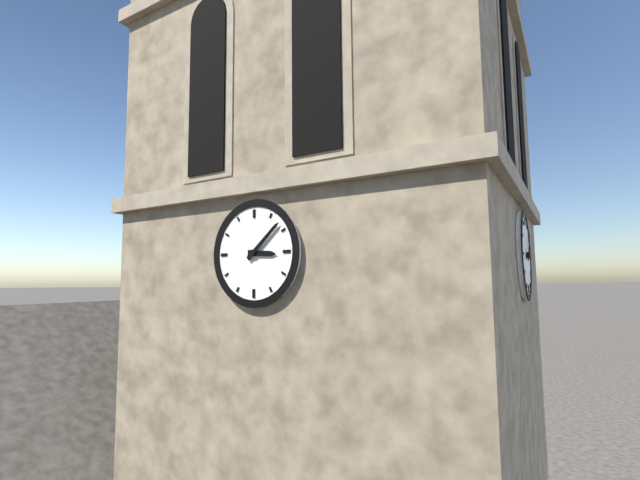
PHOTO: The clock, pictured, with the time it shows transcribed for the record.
3:08
